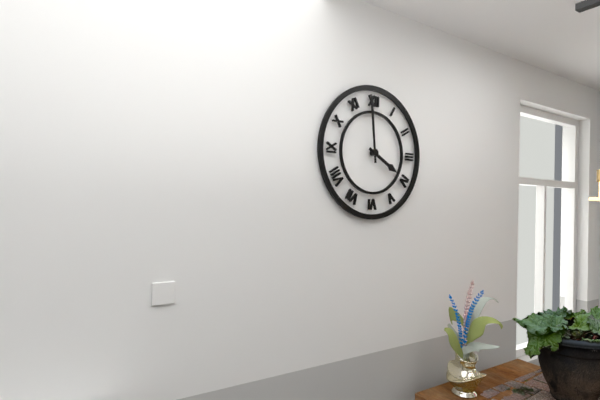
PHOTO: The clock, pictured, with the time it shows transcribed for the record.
3:59
